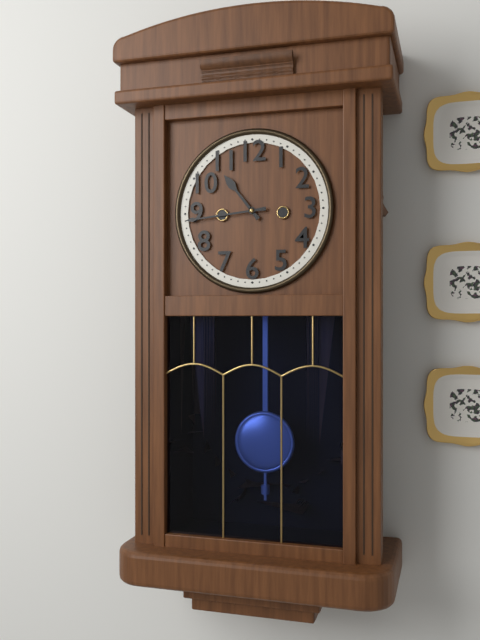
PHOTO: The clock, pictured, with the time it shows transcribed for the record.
10:44
